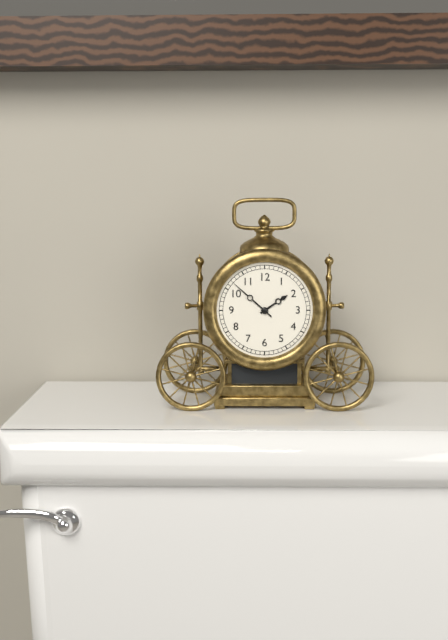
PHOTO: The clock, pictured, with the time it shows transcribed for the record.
1:52
